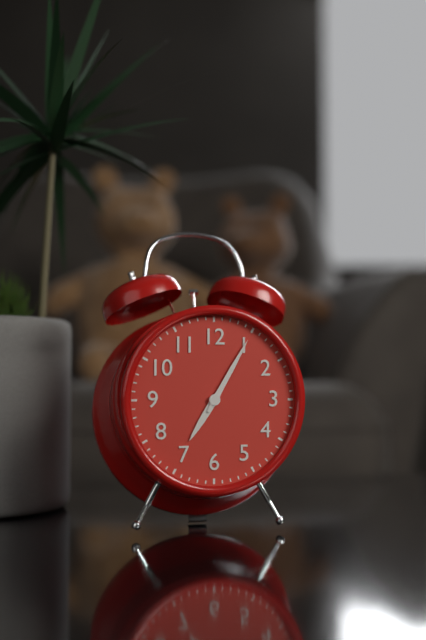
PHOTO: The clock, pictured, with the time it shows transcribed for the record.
7:05
